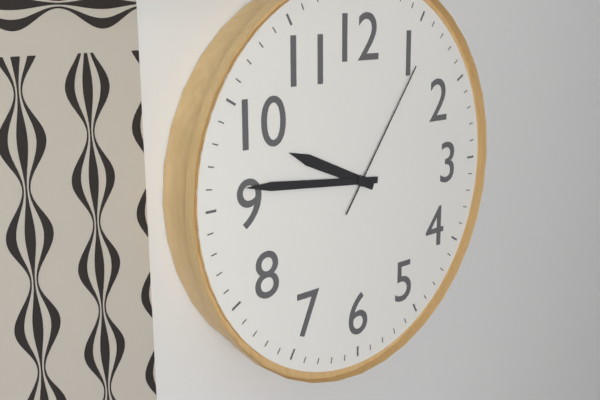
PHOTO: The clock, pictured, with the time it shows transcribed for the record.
9:46:06
